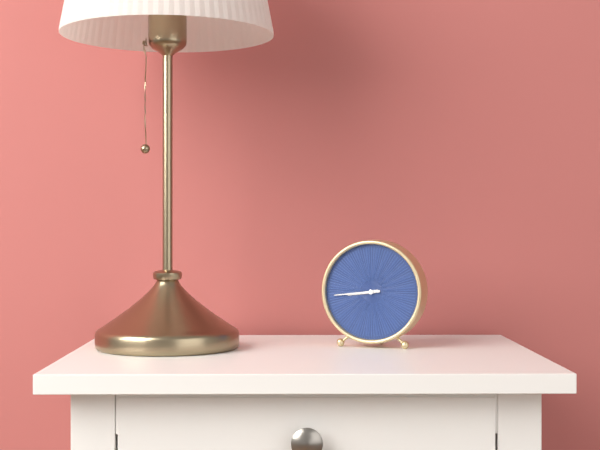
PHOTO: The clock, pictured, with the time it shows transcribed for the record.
8:44
